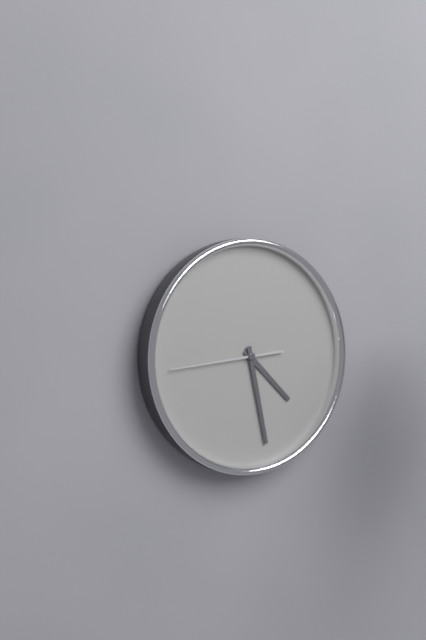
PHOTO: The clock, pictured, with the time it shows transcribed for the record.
4:28:44
